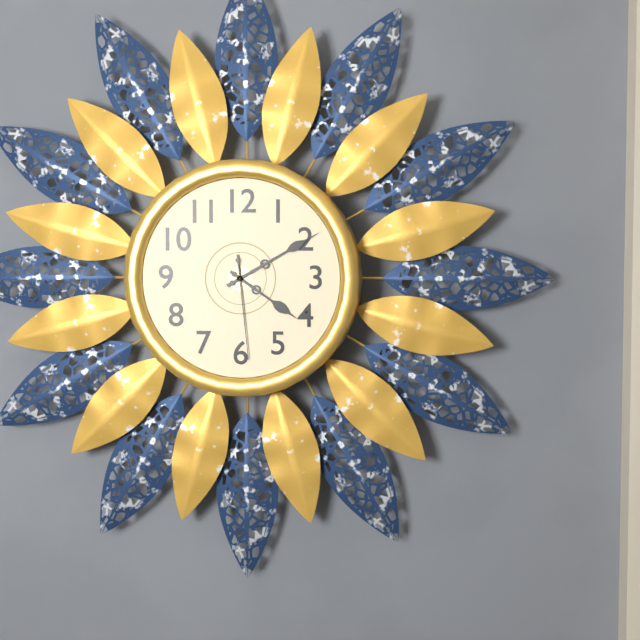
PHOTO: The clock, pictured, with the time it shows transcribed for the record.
4:10:29
